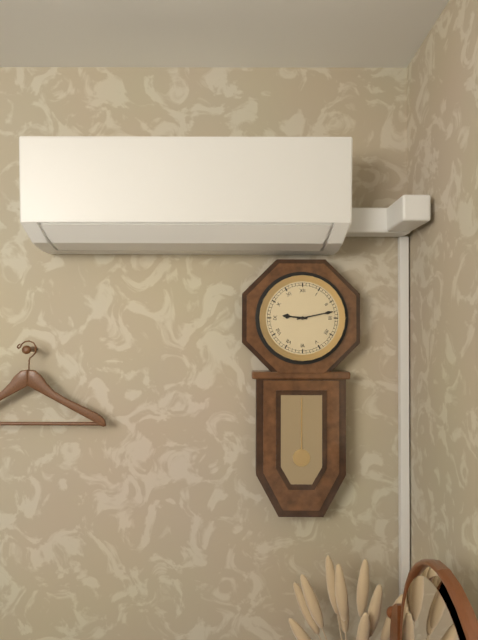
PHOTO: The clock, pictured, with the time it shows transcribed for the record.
9:13
